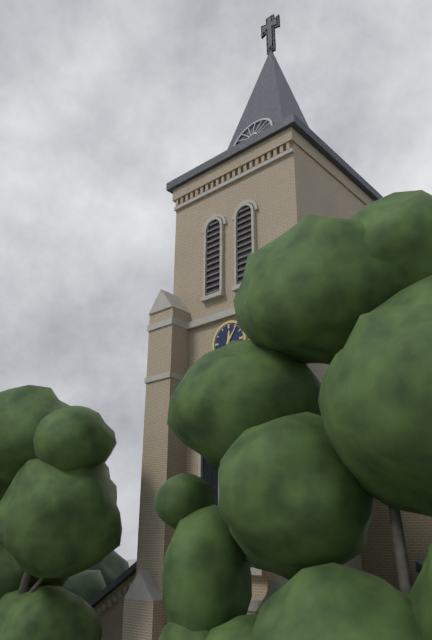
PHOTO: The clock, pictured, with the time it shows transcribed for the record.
12:06
